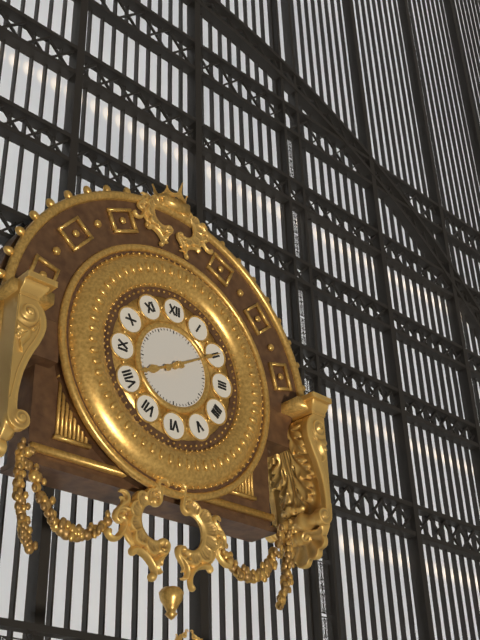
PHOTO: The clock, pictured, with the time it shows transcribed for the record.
8:10
